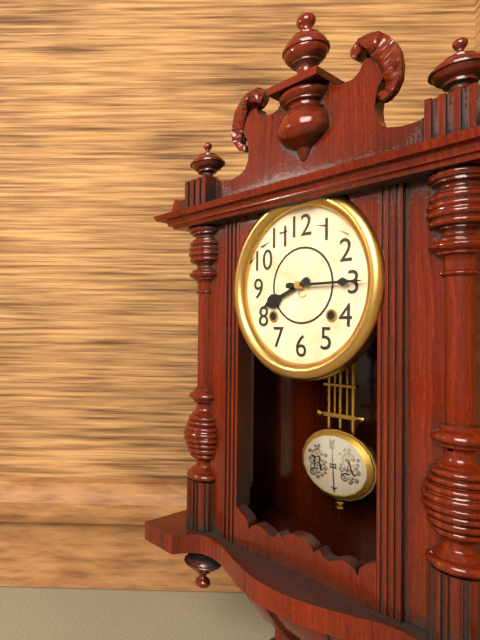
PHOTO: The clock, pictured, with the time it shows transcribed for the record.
8:15
